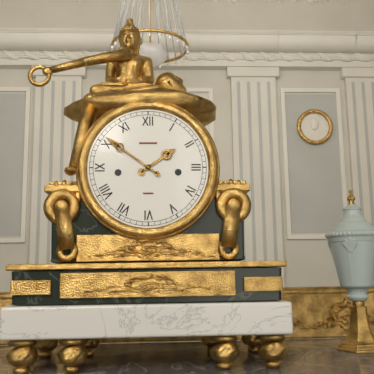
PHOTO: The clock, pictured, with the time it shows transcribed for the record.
1:51
